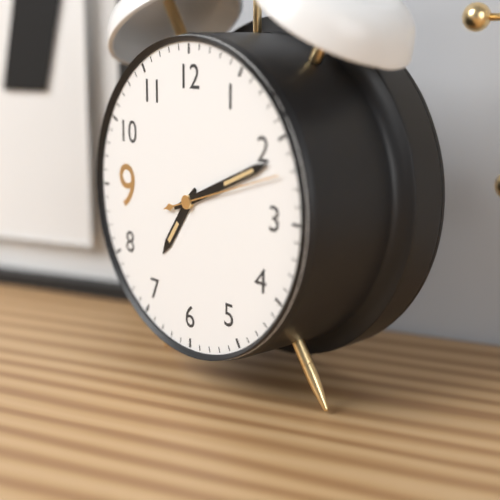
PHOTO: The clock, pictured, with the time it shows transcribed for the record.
7:11:12
